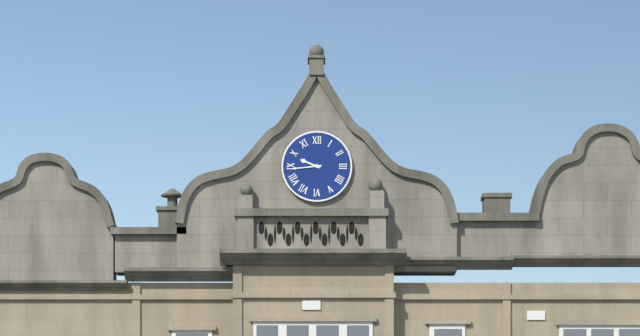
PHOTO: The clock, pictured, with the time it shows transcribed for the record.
9:44
